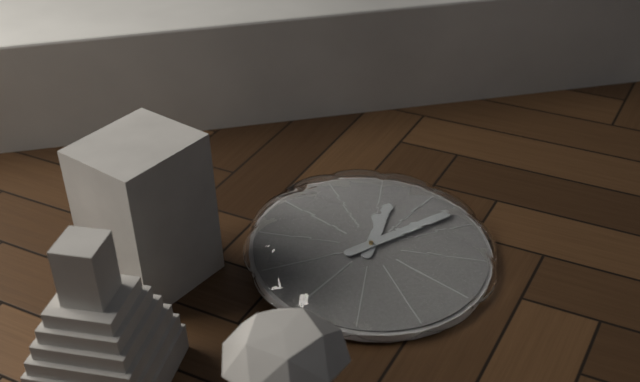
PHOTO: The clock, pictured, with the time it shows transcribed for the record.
2:18
